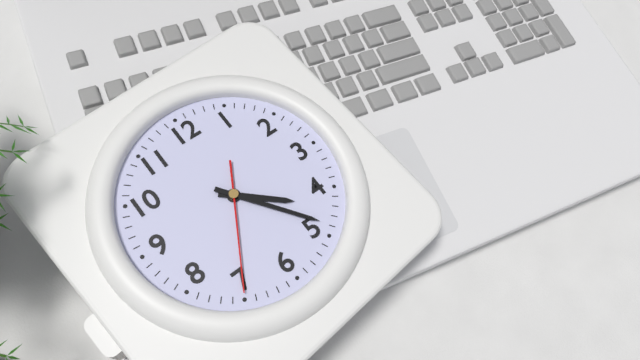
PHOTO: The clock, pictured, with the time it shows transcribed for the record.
4:24:35
